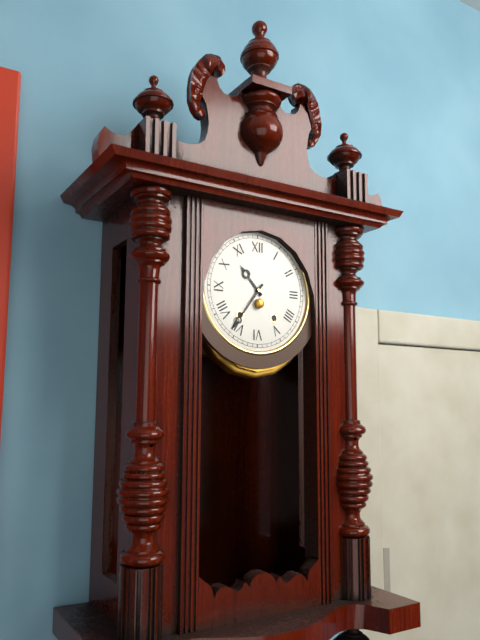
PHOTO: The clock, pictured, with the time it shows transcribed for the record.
10:36
